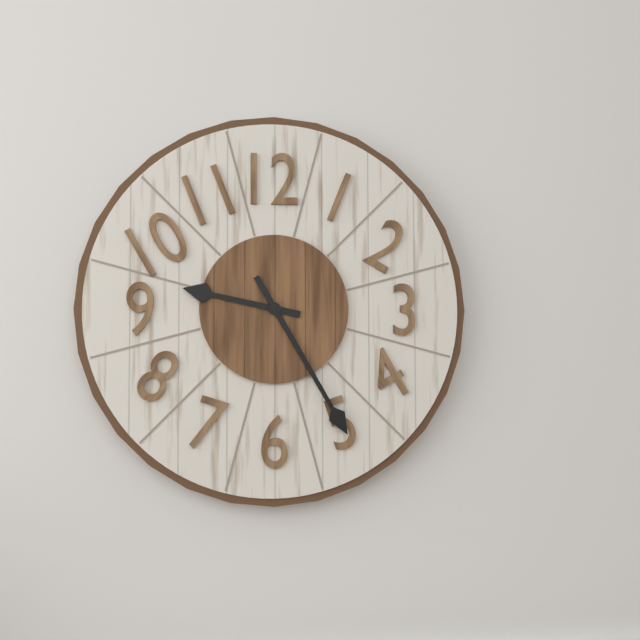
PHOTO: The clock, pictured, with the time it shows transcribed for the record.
9:25
